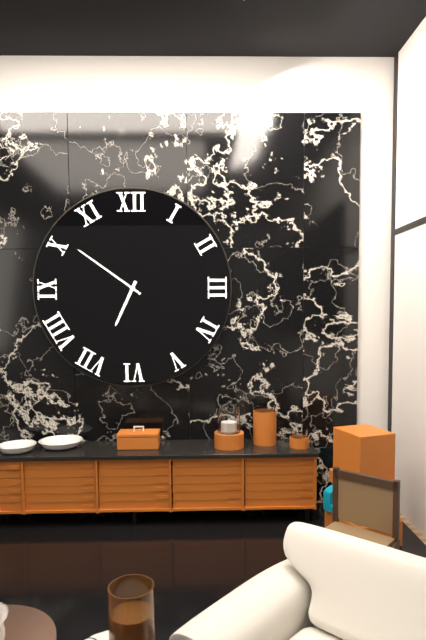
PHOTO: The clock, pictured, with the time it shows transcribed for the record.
6:51
